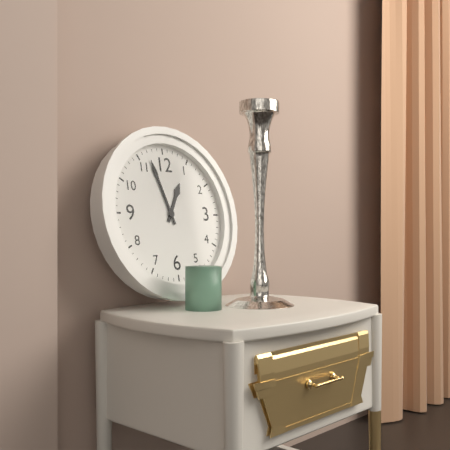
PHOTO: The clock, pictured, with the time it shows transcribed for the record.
12:57
